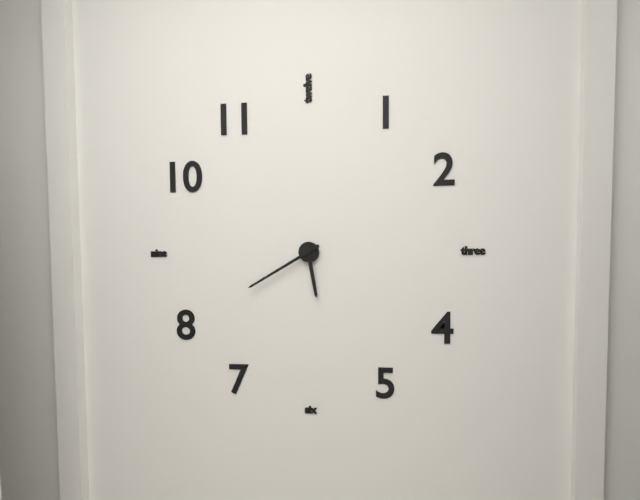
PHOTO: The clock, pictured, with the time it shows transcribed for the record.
5:40
